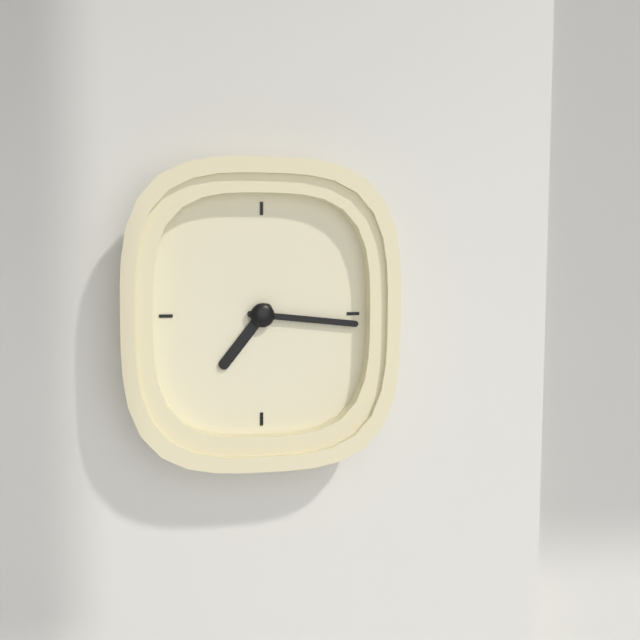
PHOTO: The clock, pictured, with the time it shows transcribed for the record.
7:16
